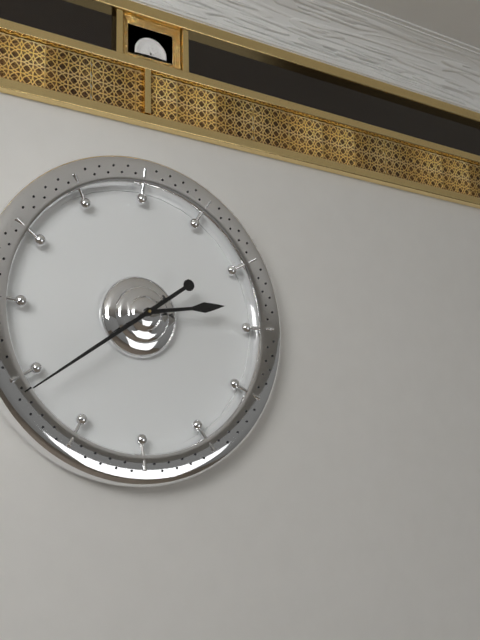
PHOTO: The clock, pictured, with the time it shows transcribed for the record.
2:39
